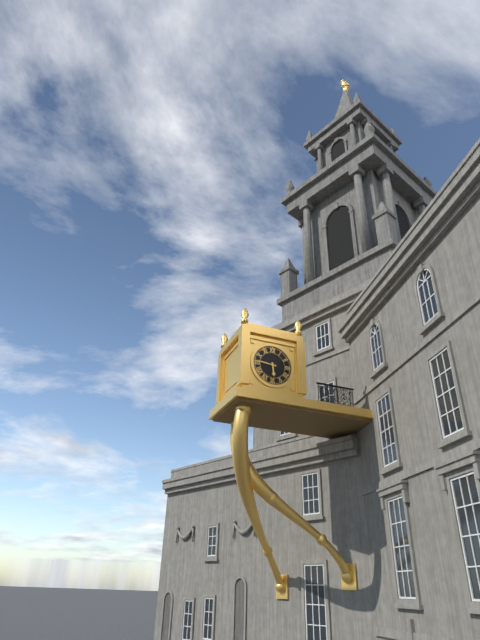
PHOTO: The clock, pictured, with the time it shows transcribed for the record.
5:46
